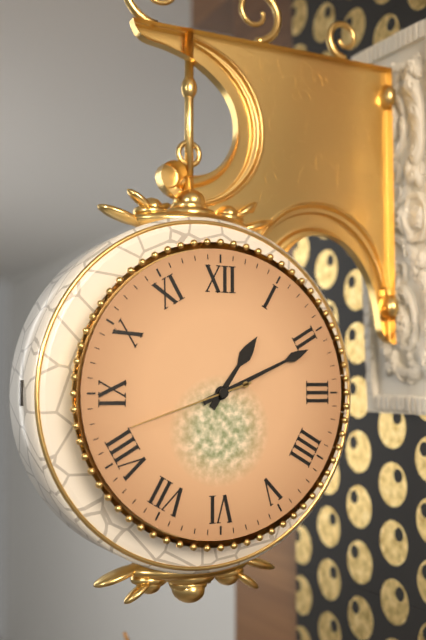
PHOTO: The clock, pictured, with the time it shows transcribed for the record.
1:11:42
